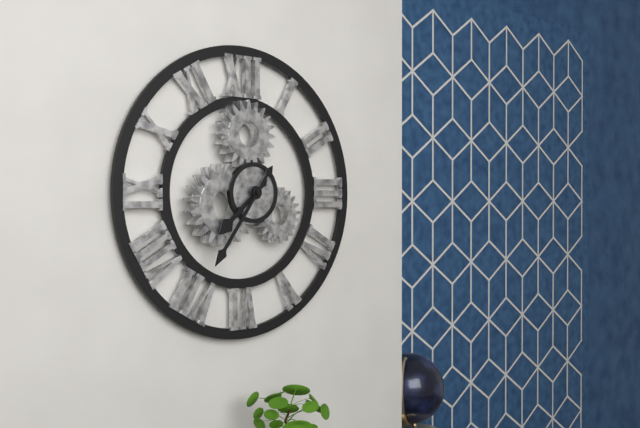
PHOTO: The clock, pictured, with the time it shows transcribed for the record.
7:36
